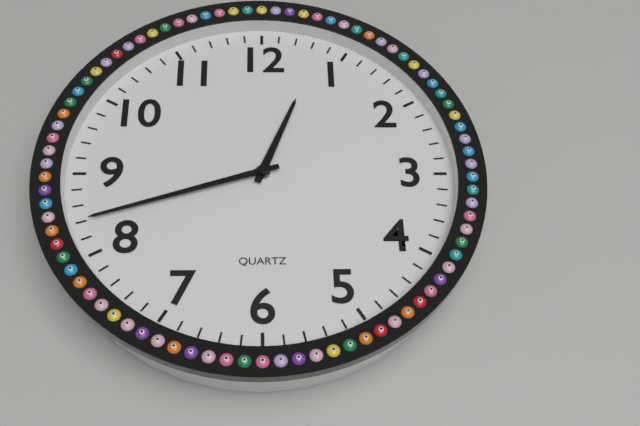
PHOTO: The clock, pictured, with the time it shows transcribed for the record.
12:42
